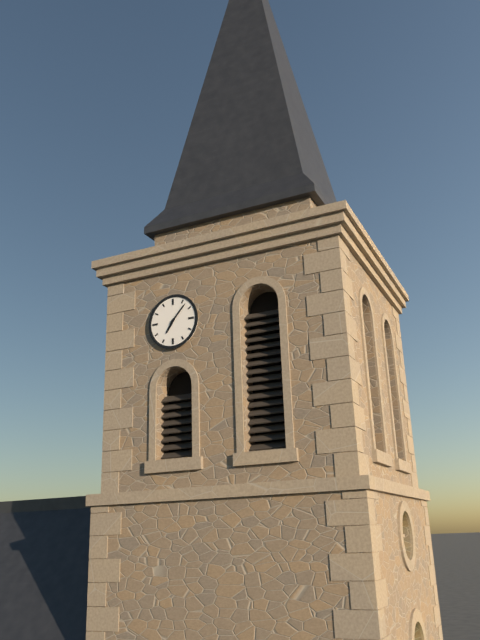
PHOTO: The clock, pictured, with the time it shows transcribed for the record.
7:07
